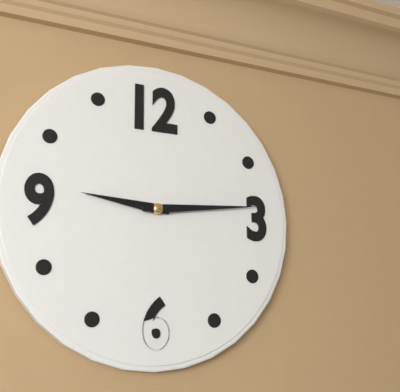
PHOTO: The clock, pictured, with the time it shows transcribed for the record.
9:14
